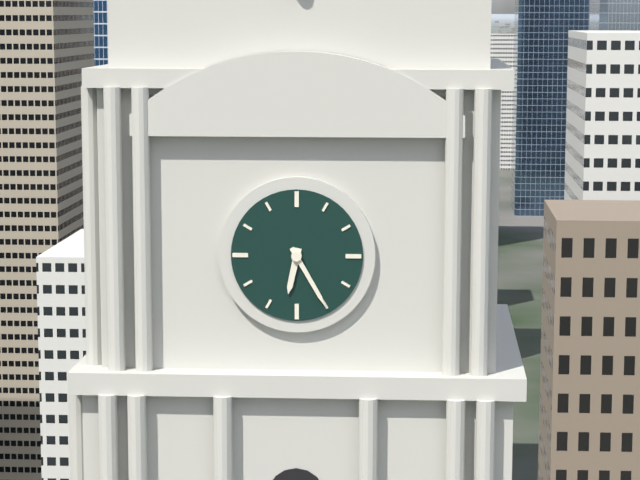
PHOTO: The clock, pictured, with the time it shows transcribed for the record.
6:25
